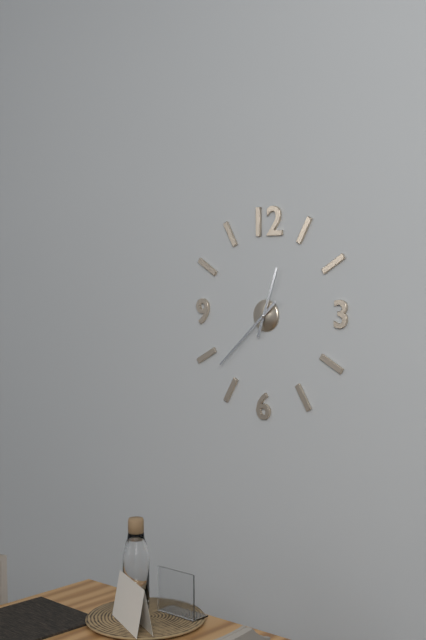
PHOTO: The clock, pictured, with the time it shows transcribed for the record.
12:38
